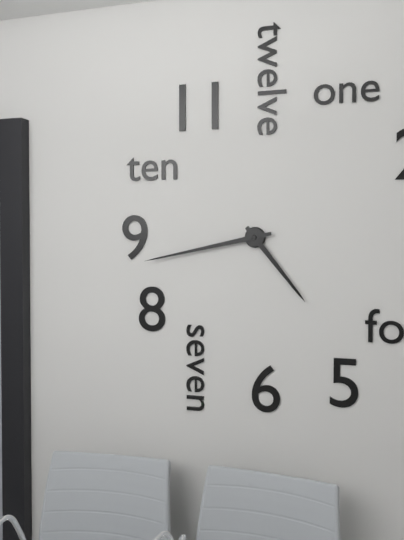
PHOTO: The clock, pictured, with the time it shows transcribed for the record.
4:43
